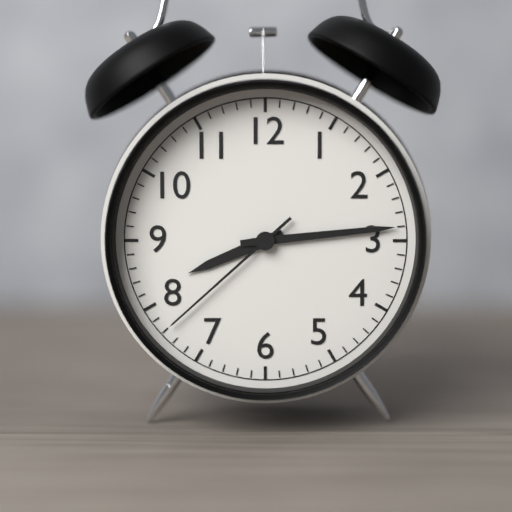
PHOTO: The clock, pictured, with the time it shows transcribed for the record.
8:14:38
